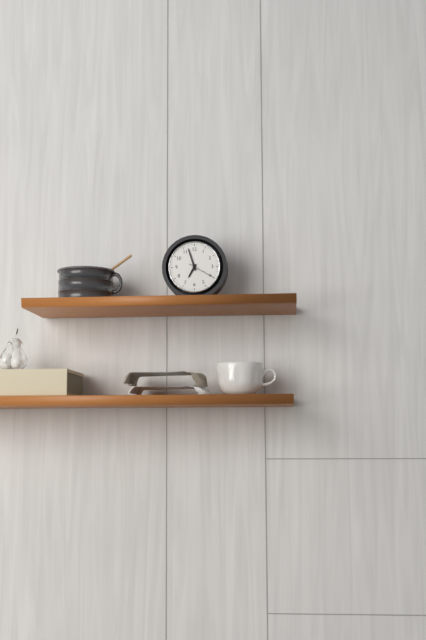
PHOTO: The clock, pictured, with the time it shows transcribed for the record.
6:57
